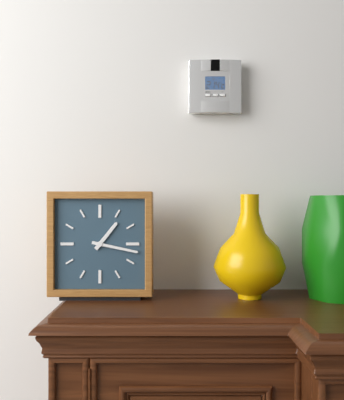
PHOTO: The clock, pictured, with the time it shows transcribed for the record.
1:17
